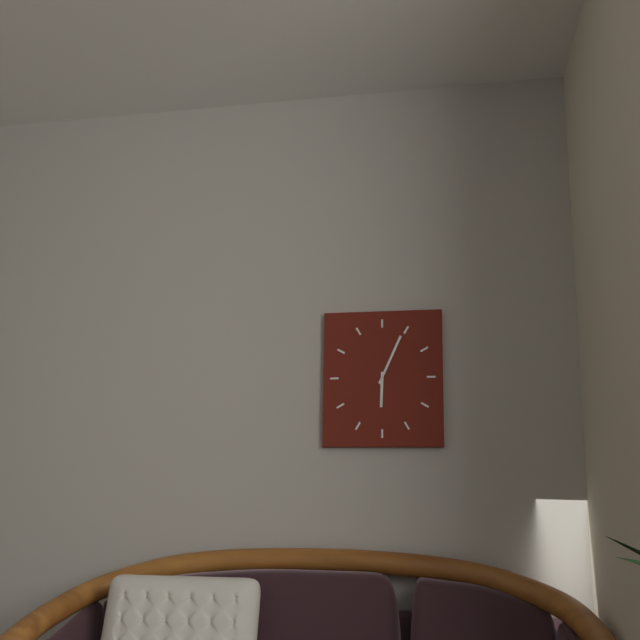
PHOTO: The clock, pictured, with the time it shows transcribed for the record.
6:04
